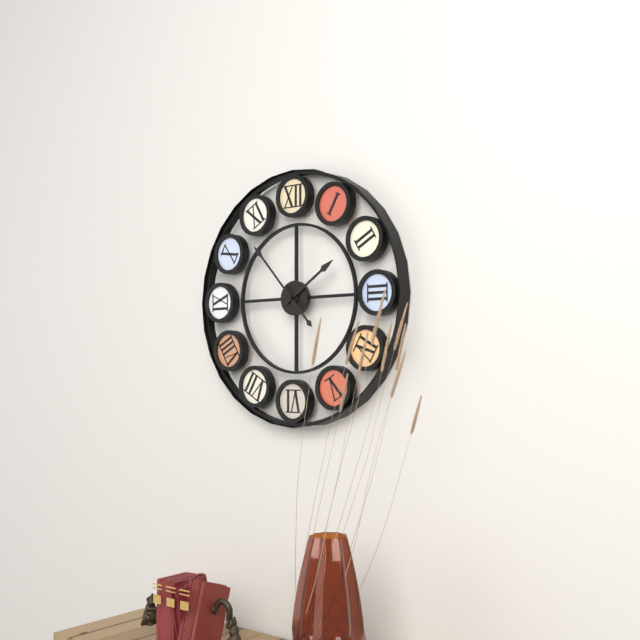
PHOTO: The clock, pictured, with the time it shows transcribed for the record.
1:53
